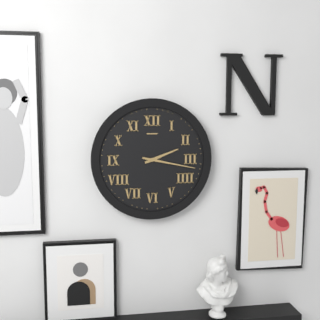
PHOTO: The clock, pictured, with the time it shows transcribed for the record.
2:17
